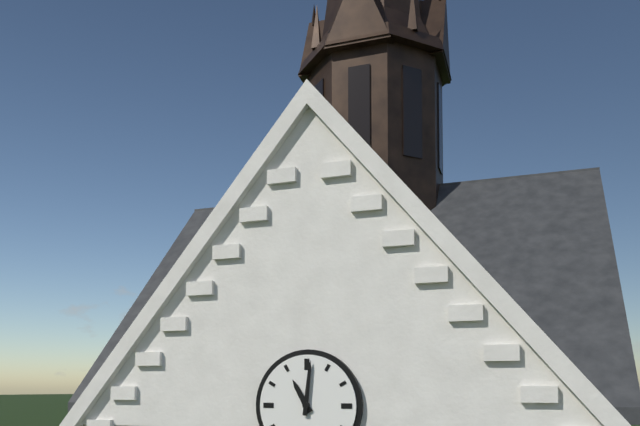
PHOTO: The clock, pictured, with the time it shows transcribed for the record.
11:01
